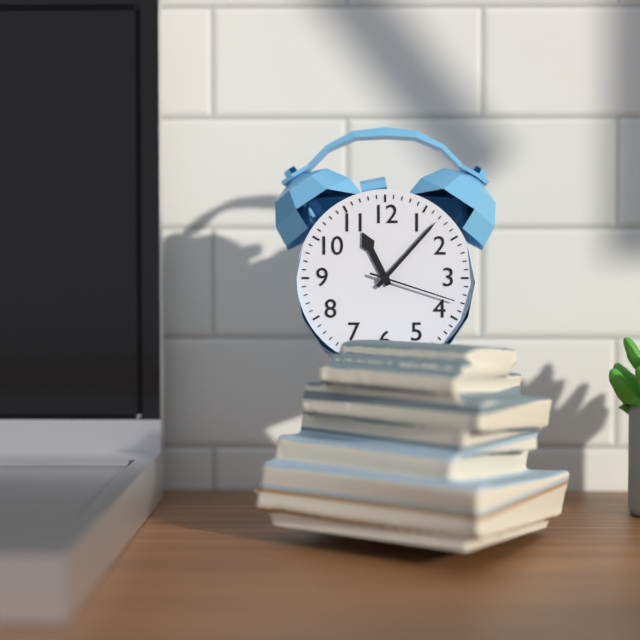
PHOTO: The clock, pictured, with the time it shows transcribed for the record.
11:07:18
